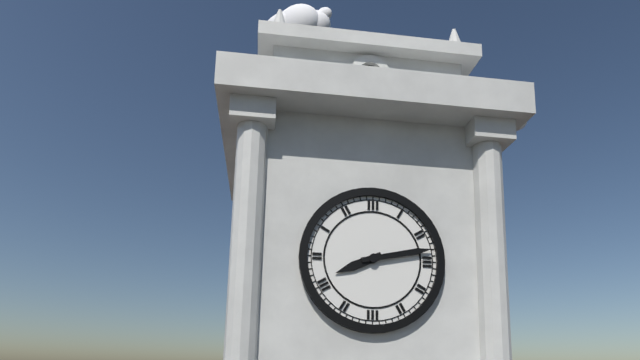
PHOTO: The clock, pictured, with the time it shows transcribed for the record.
8:13
